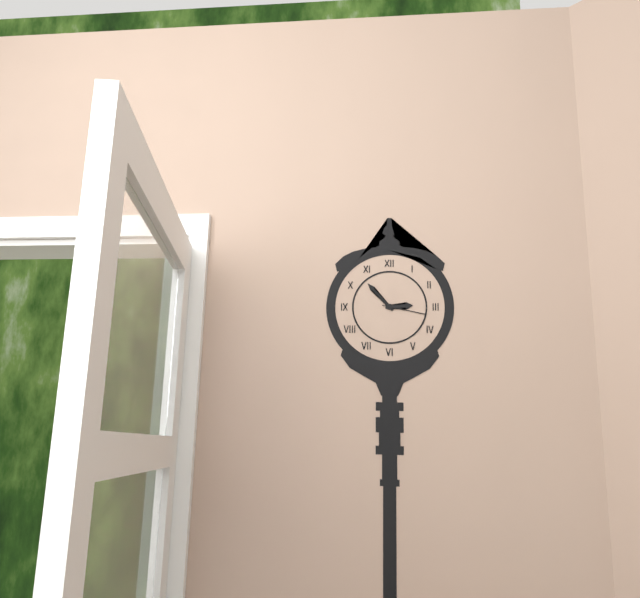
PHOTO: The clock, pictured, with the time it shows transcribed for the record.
2:53
